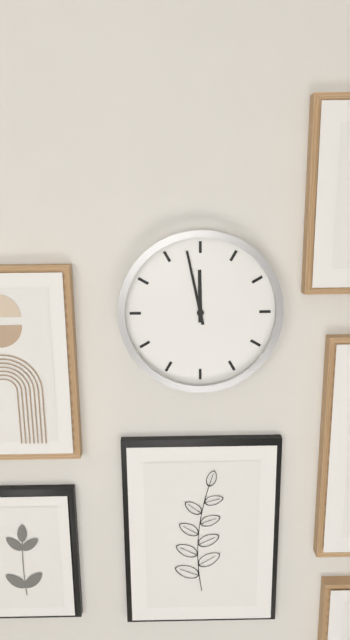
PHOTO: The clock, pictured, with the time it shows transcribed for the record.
11:58
